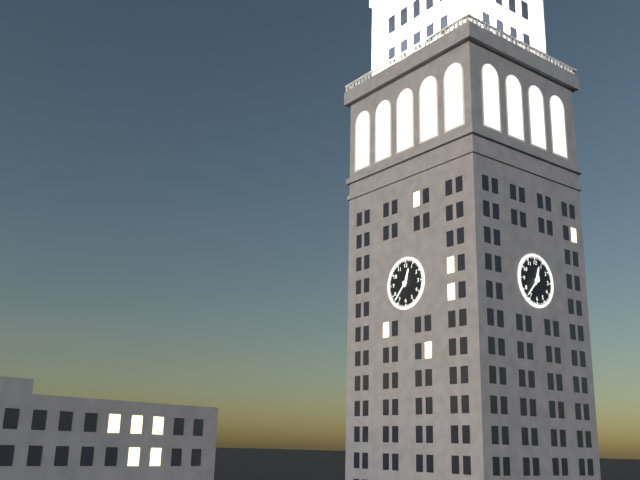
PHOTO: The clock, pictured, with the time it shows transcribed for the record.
12:37
